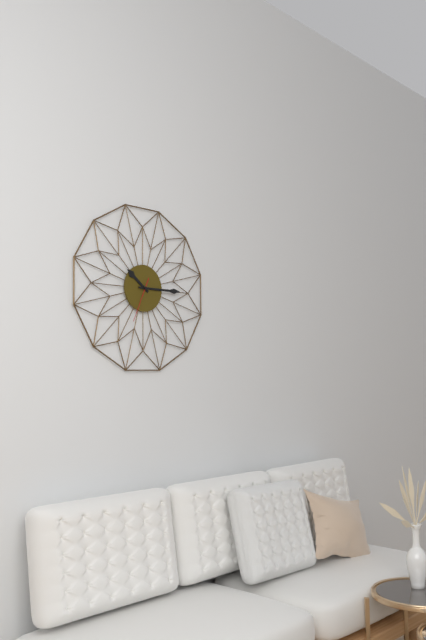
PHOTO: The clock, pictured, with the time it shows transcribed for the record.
10:15
